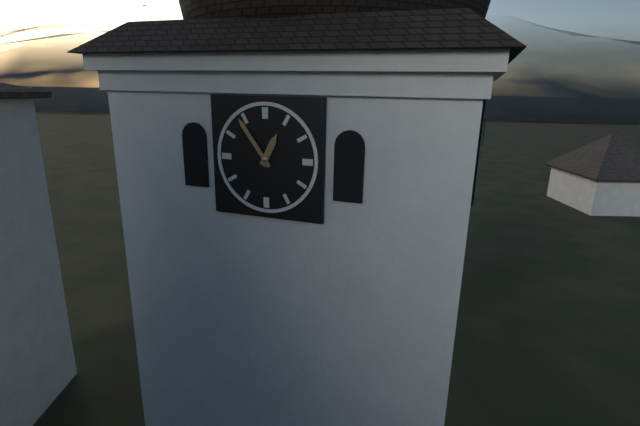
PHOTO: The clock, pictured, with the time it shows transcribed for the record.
12:54
